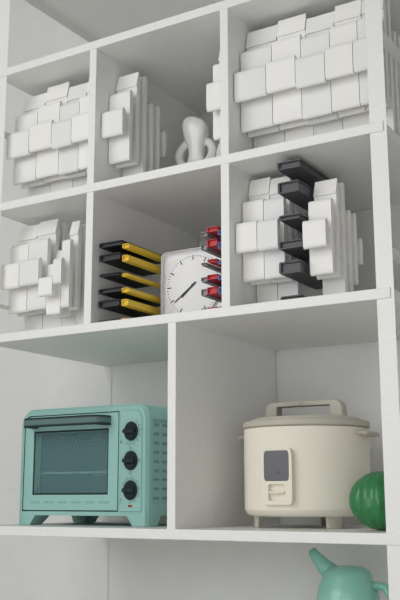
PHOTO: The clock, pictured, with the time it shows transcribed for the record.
7:39
